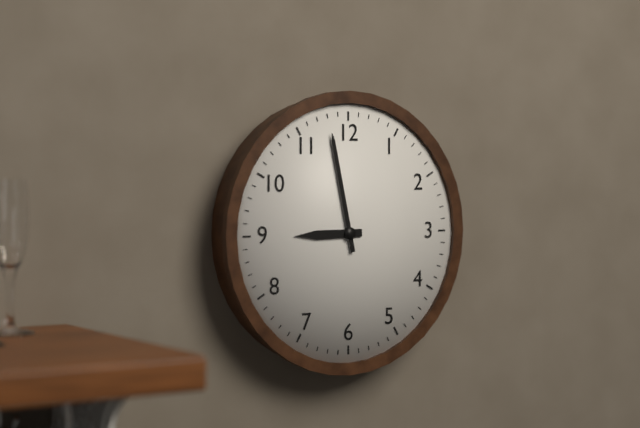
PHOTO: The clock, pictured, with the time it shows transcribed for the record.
8:58
